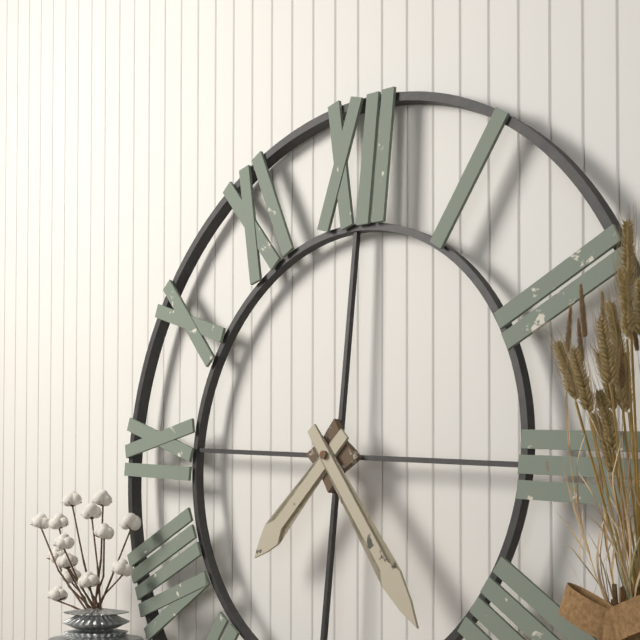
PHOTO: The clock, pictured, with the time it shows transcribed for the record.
7:23
